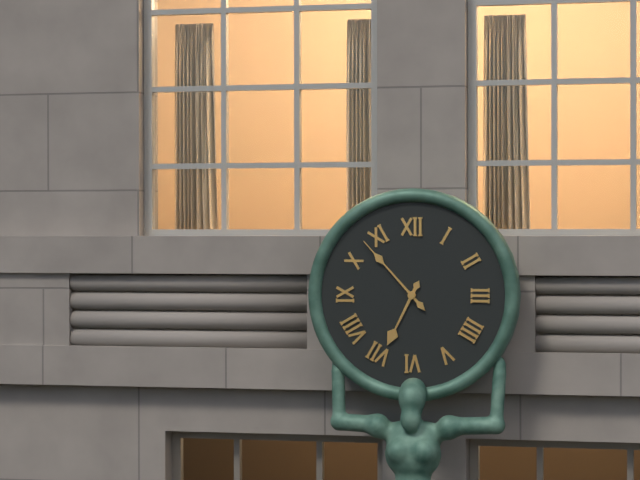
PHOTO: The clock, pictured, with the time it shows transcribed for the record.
6:53
